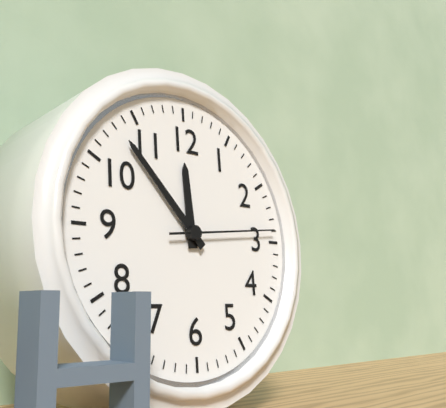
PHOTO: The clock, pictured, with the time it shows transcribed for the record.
11:53:14
